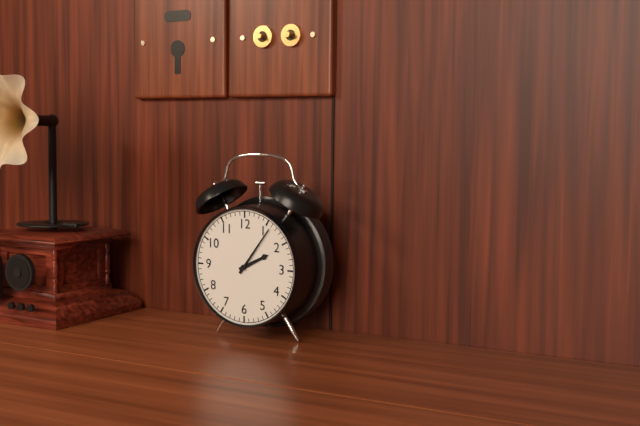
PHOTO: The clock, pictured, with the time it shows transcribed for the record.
2:06
